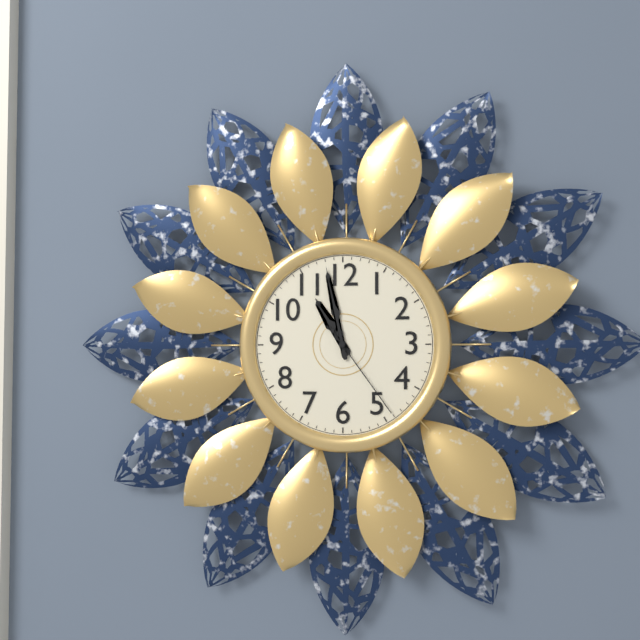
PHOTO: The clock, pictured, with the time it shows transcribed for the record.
10:58:24
